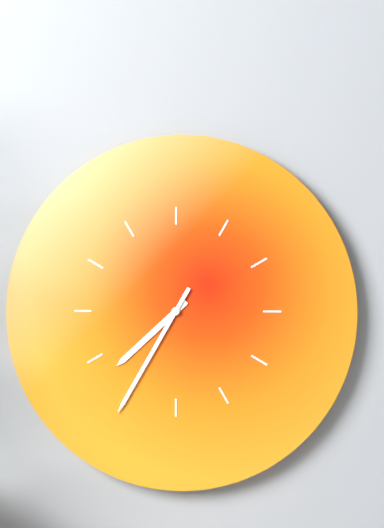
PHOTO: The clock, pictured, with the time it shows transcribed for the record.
7:35
